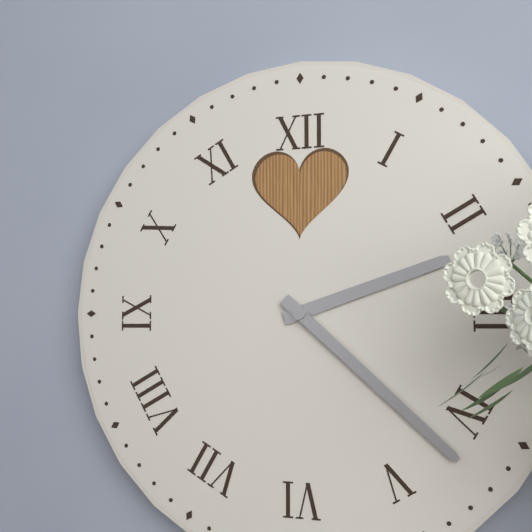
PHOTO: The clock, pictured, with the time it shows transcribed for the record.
2:22
